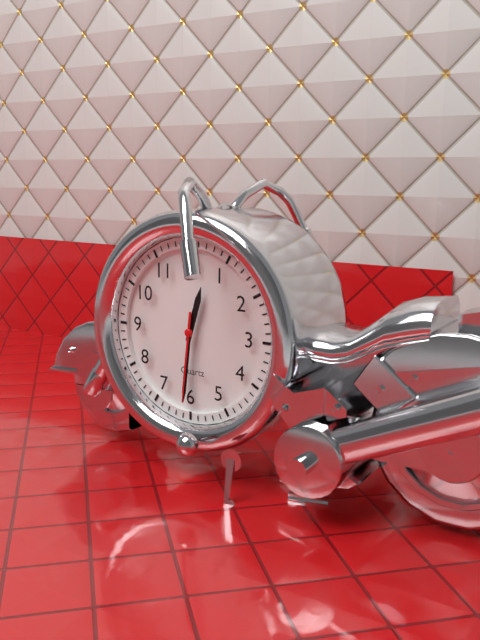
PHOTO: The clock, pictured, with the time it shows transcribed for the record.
12:31:31
